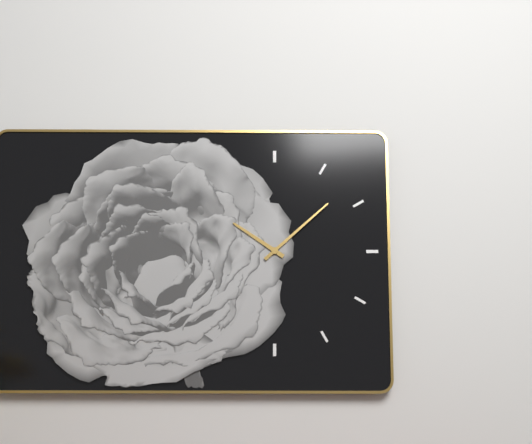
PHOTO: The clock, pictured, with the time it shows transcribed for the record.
10:08
